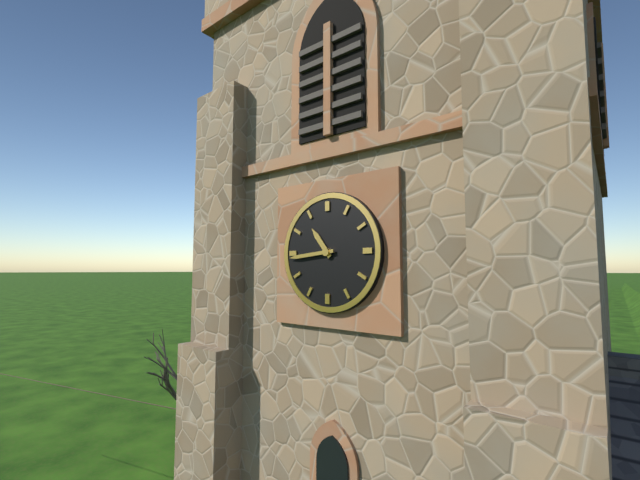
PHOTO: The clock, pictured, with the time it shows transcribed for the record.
10:44
